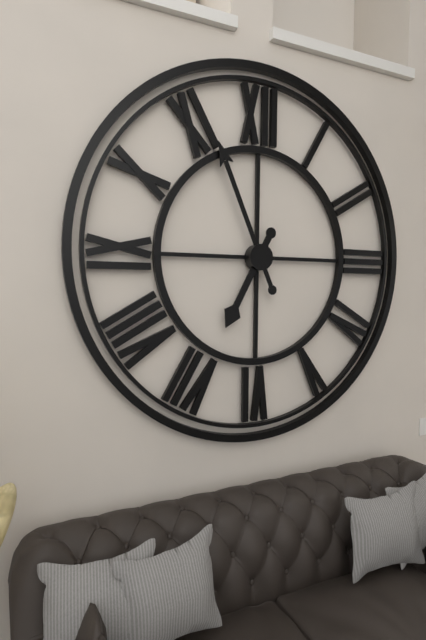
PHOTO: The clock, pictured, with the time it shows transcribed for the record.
6:56
